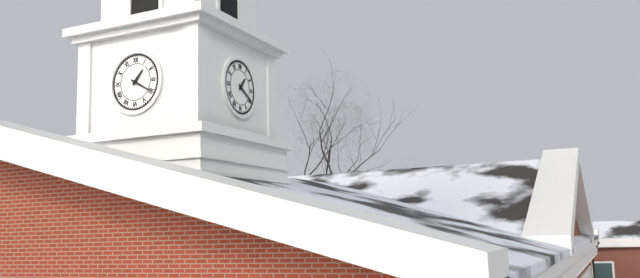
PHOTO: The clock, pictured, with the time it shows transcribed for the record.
1:20
